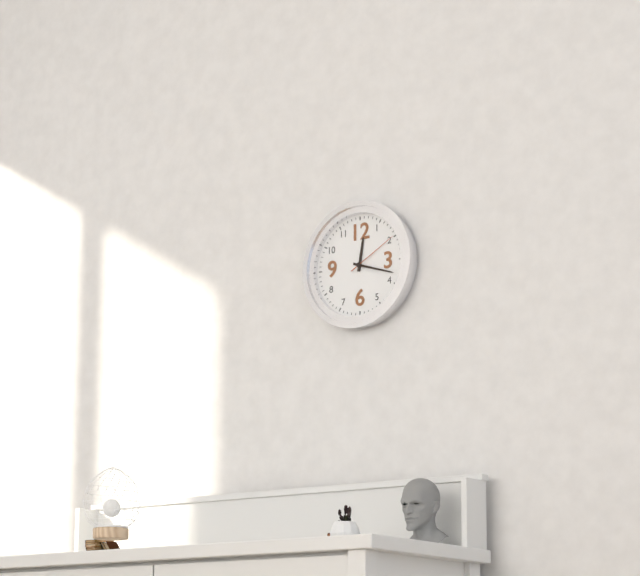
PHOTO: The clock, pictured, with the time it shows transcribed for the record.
12:18:10
